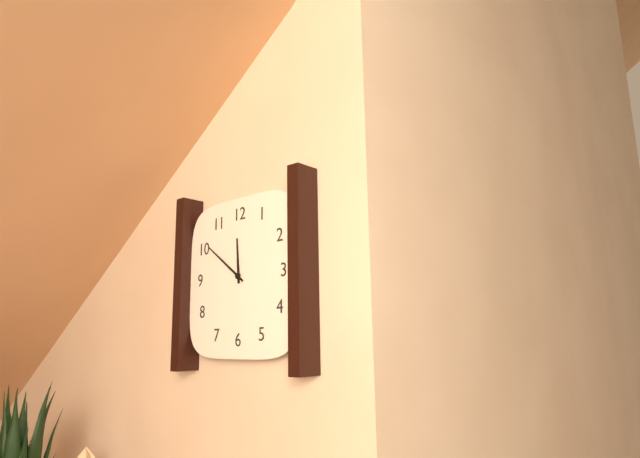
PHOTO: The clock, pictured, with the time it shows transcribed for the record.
11:51
